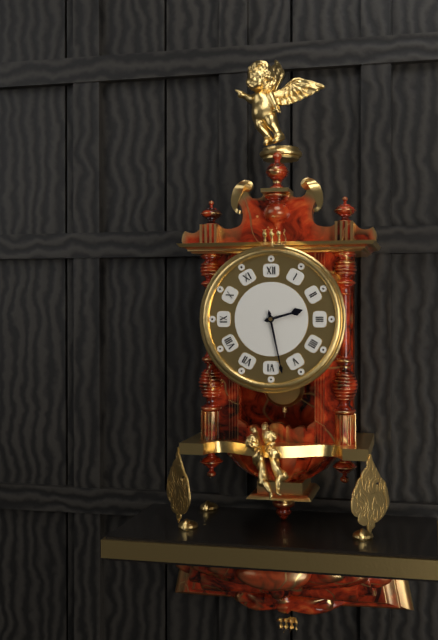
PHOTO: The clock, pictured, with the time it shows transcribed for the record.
2:28
